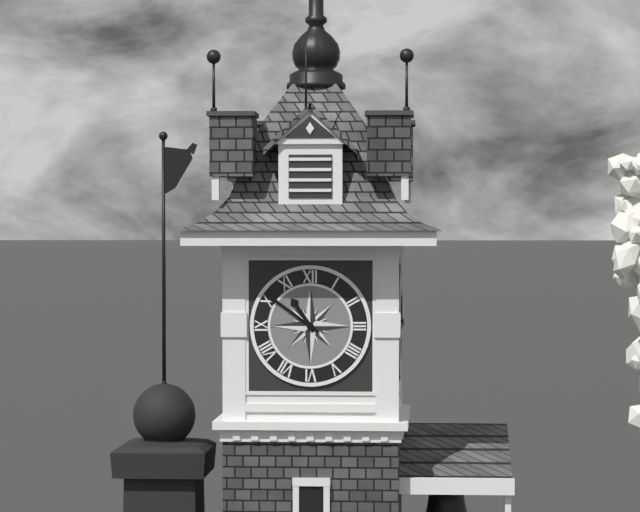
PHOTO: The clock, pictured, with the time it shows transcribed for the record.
10:51
